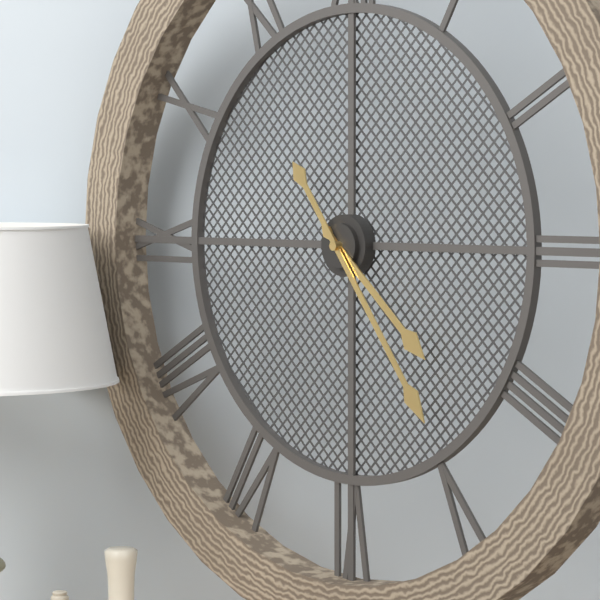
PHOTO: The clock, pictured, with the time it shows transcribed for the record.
4:24
